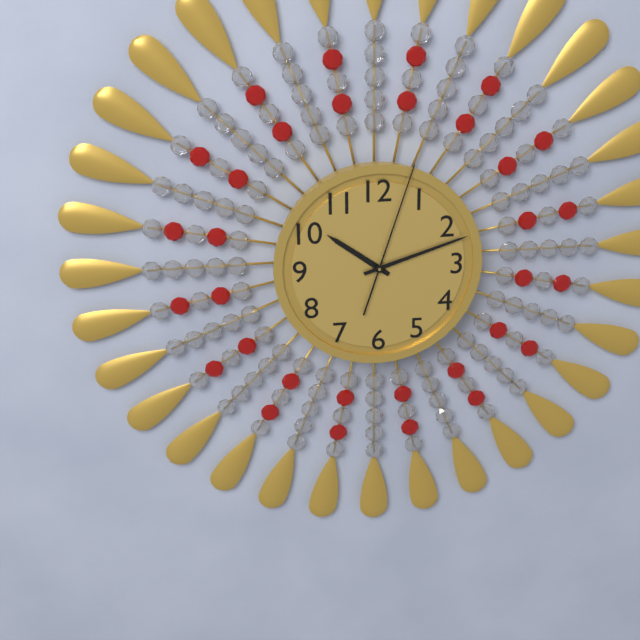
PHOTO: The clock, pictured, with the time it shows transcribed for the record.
10:12:03
